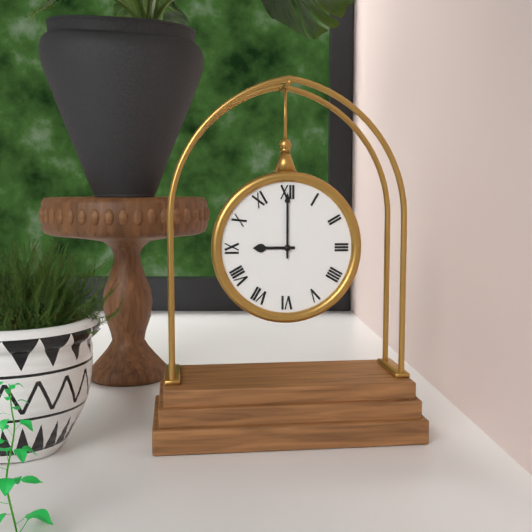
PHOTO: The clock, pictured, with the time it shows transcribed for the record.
9:00
